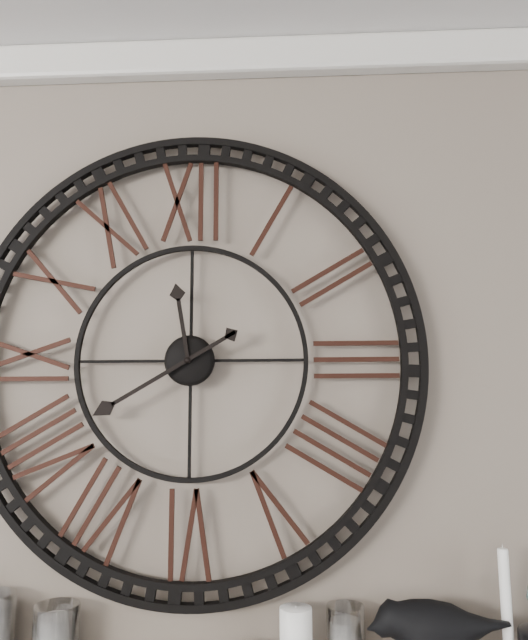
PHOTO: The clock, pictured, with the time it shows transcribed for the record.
11:40
